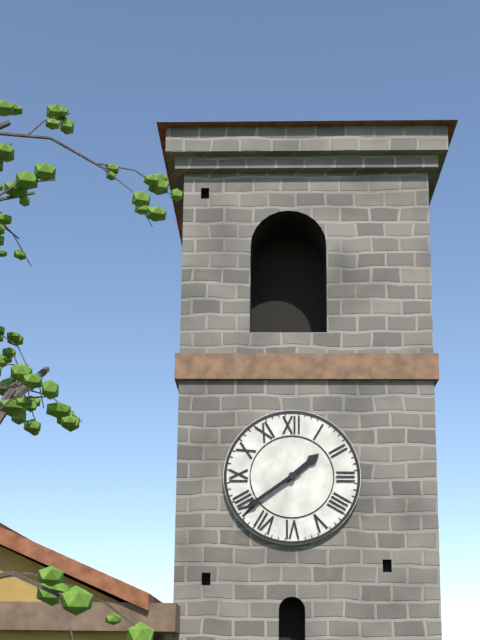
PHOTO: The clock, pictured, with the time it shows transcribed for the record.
1:39
